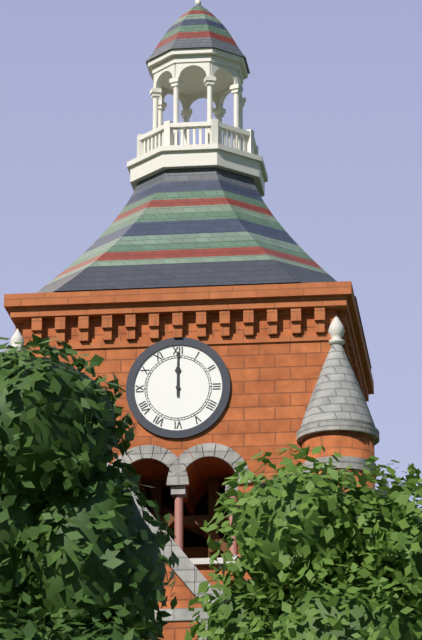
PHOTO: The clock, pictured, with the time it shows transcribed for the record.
12:00
